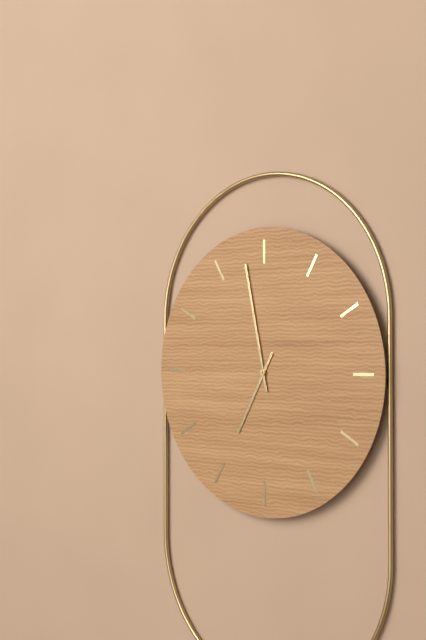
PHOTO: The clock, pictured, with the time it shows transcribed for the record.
6:58
